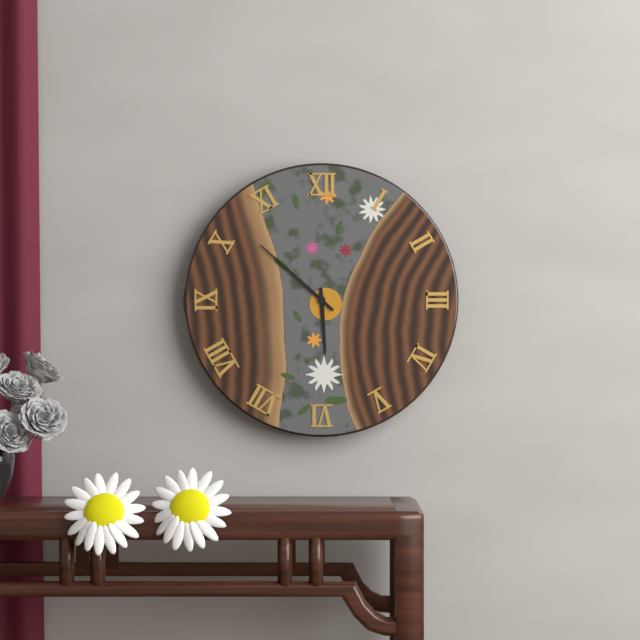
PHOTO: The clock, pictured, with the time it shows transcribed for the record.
5:52
